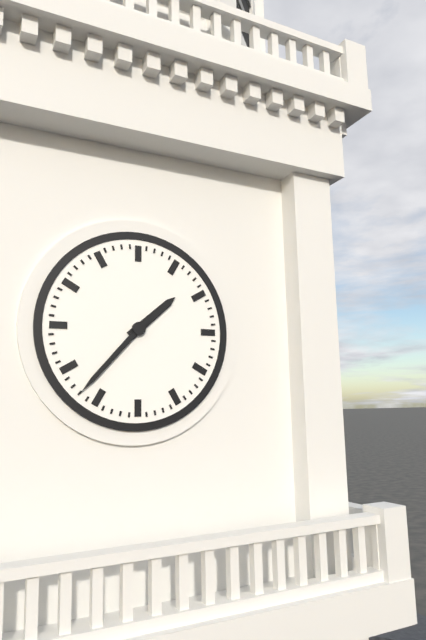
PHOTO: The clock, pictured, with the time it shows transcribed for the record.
1:37
